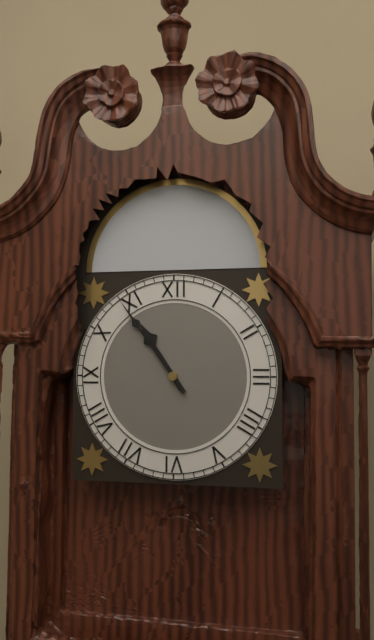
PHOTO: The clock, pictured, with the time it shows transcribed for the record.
10:54
